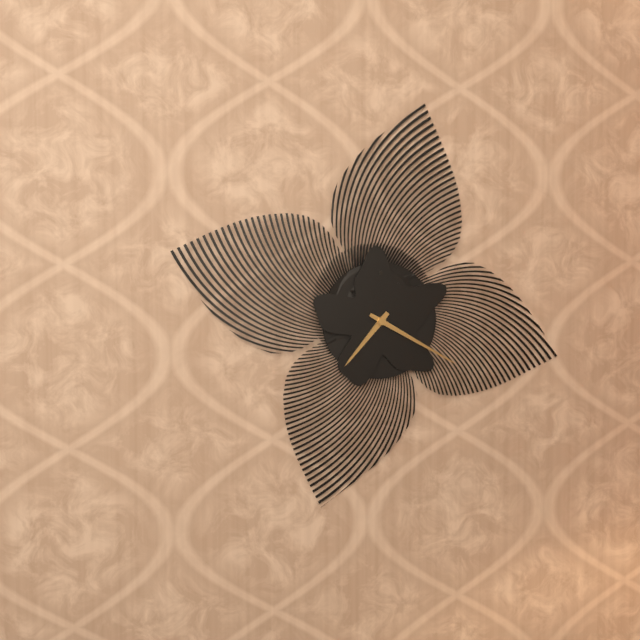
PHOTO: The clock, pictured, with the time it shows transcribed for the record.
7:20
